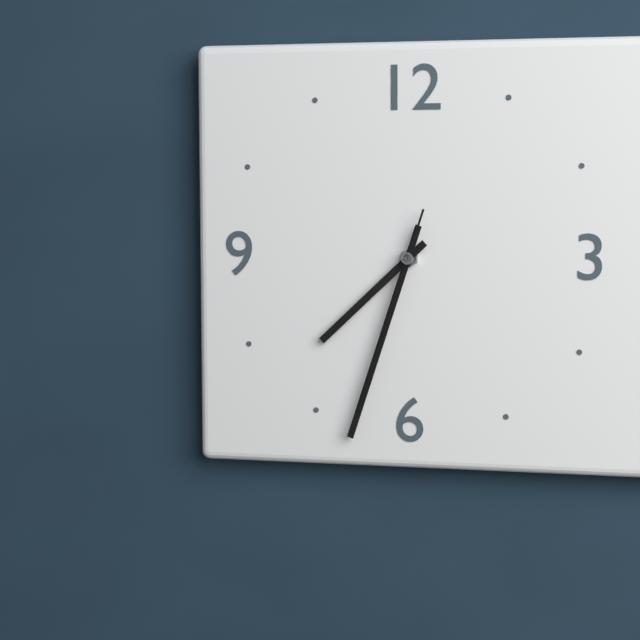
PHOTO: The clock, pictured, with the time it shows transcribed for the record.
7:33:33
